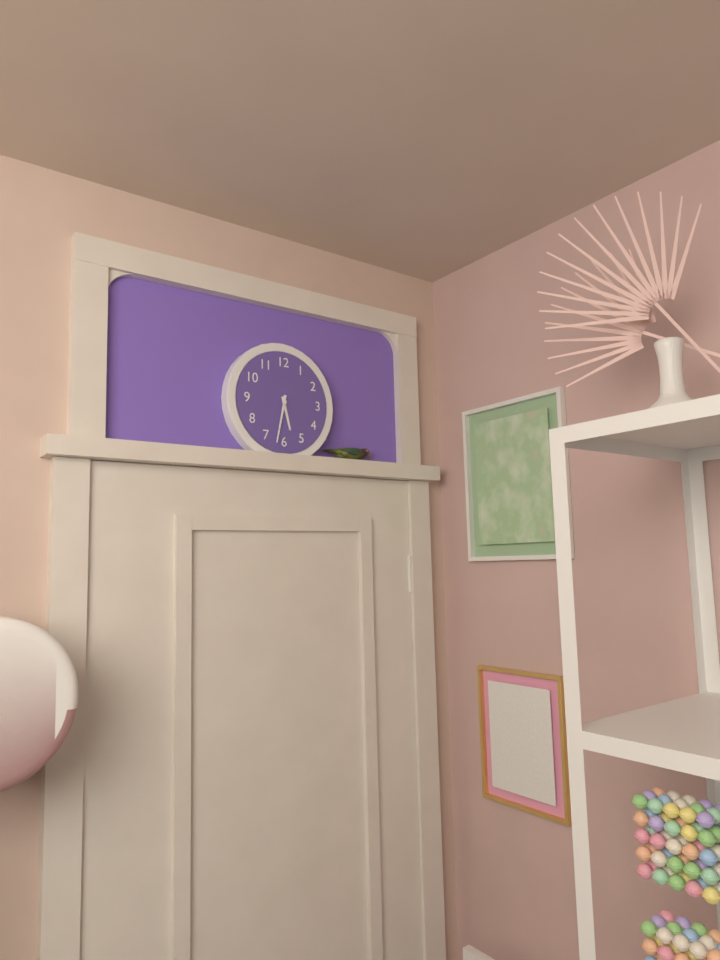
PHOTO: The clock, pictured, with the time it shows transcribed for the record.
5:32
